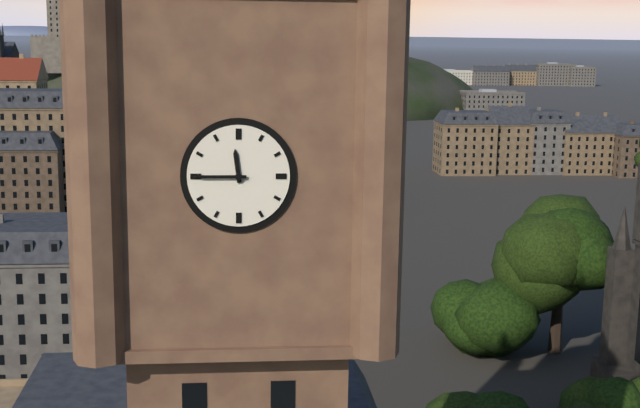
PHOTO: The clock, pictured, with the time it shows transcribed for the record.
11:45
